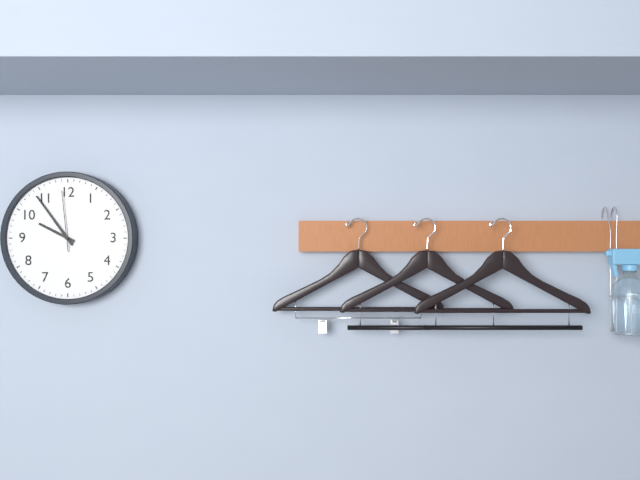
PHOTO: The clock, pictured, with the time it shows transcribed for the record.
9:54:59
